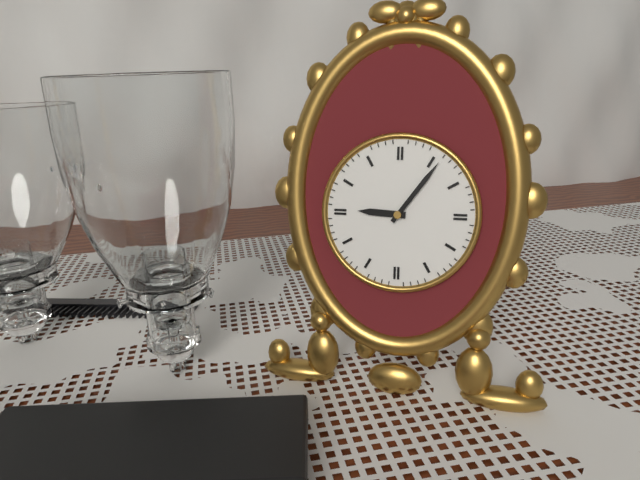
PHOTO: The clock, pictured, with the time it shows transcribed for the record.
9:06
